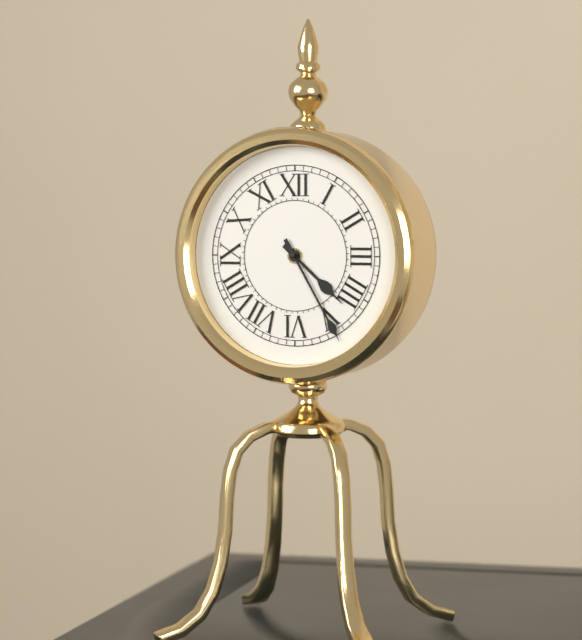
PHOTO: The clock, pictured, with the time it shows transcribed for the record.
4:25
